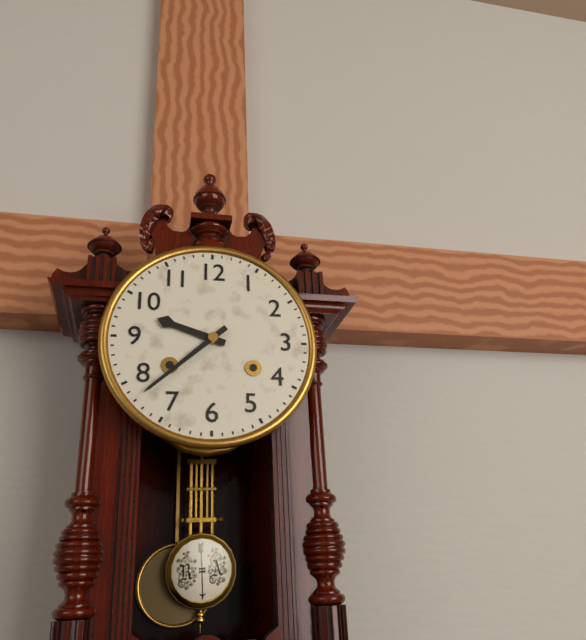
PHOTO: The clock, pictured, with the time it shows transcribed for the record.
9:38
